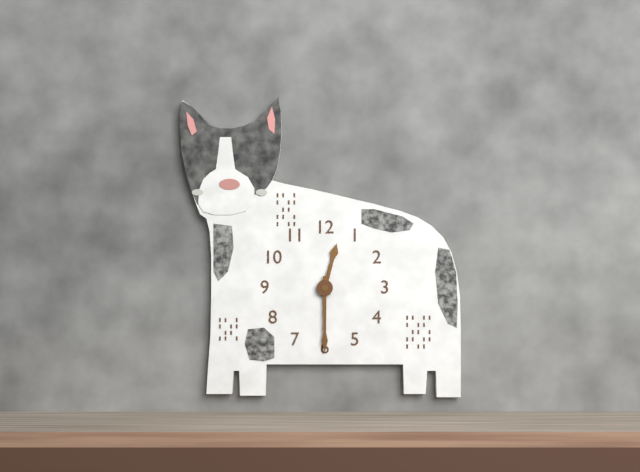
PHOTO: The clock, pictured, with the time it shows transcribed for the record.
12:30
